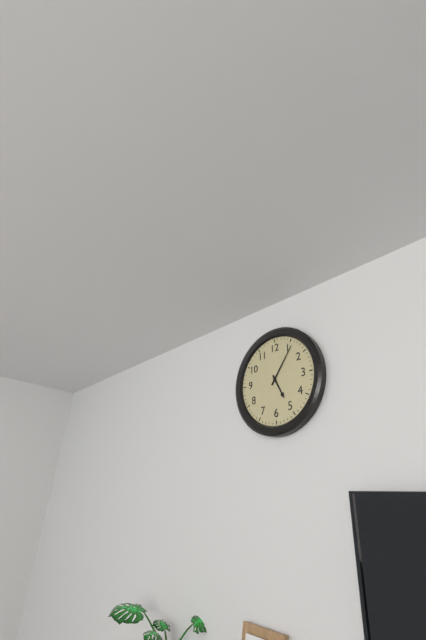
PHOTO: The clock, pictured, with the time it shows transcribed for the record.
5:06
